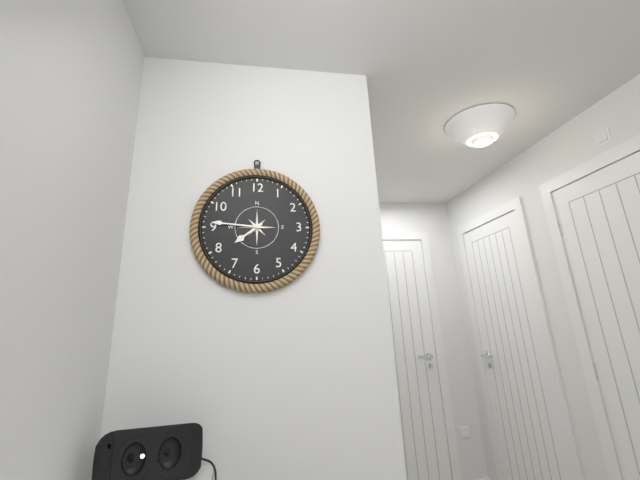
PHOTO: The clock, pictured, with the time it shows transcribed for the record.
7:46
